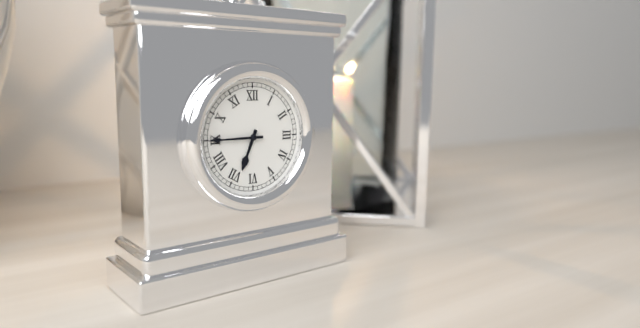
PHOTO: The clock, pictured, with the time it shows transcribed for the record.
6:45
